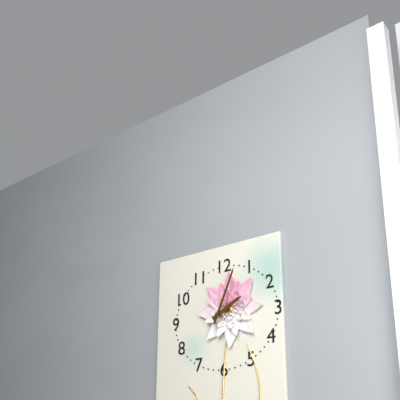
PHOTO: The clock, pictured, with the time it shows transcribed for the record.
2:04
